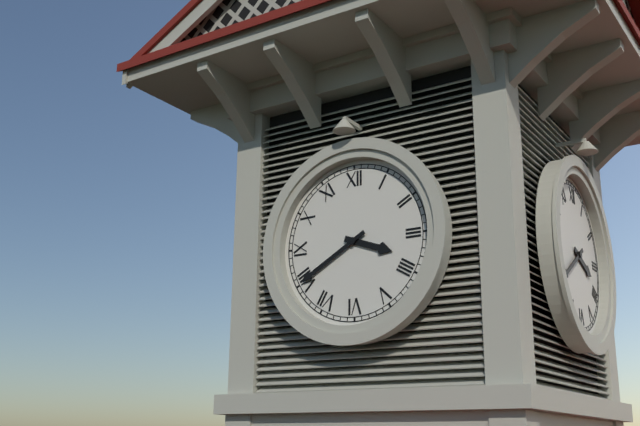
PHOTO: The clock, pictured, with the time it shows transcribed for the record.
3:40
